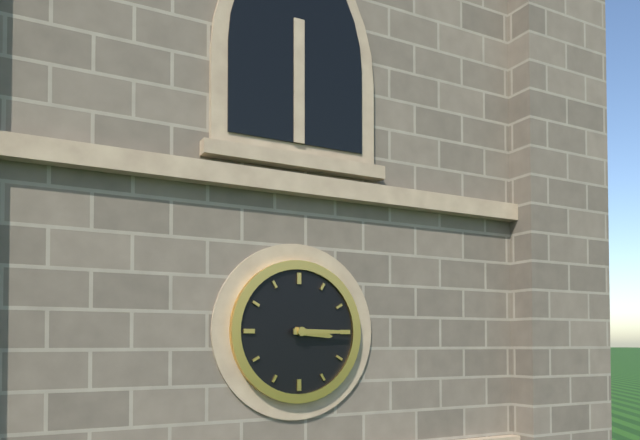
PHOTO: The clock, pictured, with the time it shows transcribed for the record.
3:15
